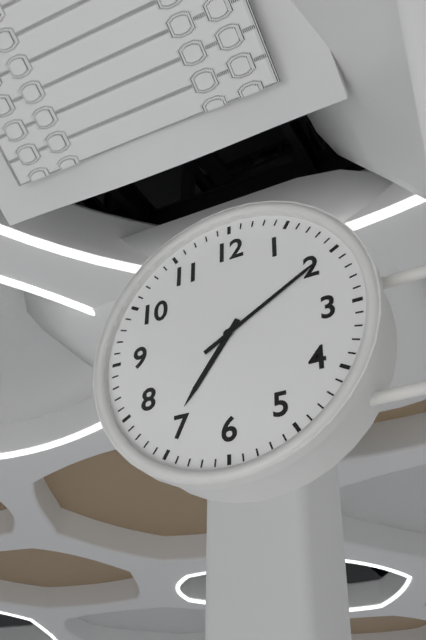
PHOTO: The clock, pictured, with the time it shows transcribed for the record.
7:10
